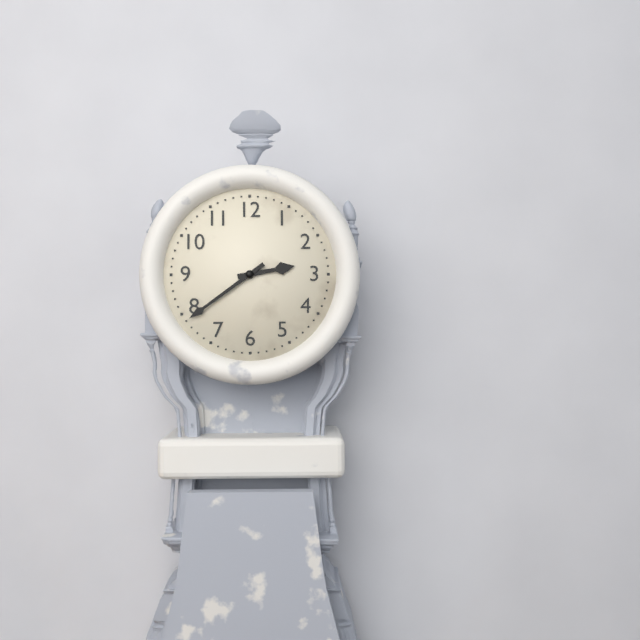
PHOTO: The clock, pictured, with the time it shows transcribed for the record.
2:39
